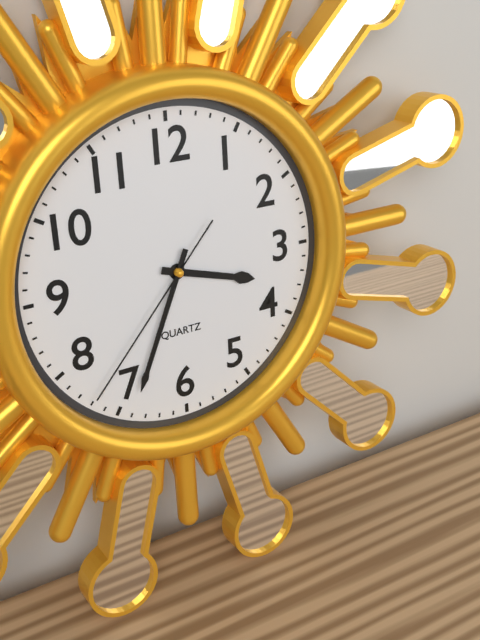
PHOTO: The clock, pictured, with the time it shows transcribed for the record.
3:34:37
